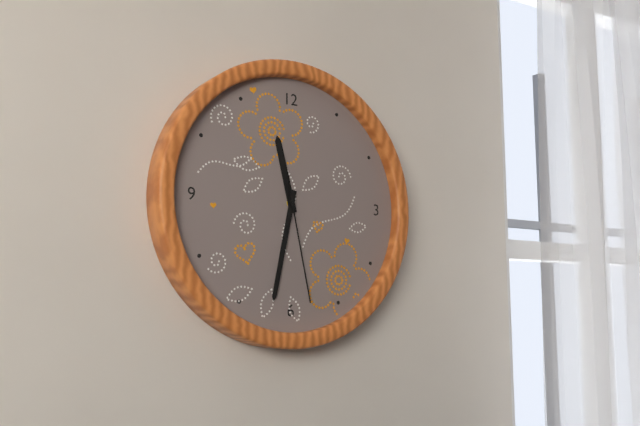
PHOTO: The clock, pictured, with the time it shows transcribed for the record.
11:32:28
